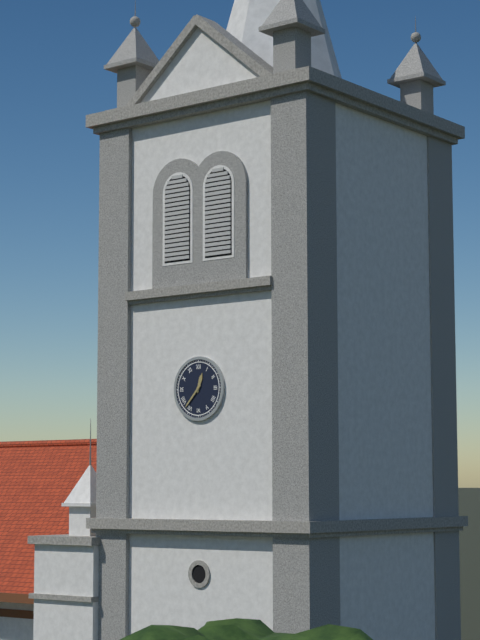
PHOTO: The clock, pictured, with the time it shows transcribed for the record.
12:37
